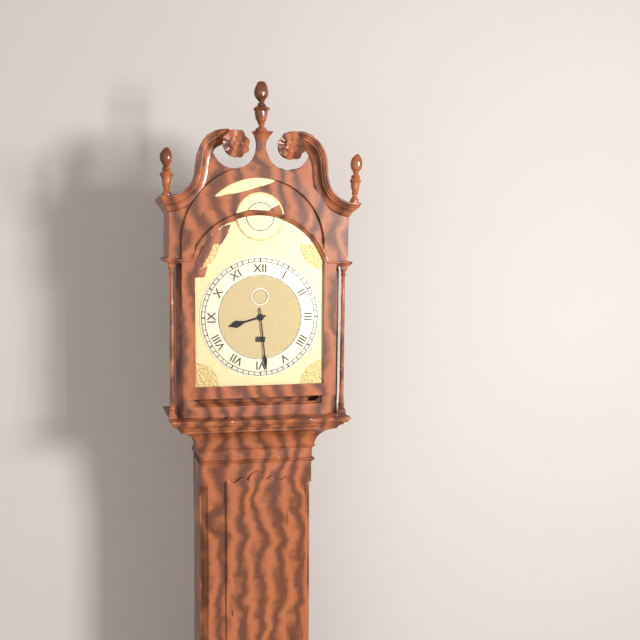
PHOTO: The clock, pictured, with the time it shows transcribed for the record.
8:29
